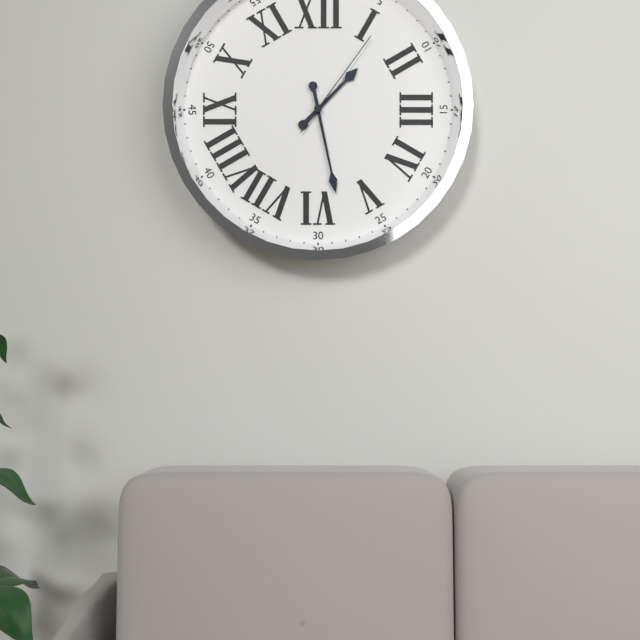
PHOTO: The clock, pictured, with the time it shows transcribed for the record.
1:28:06
